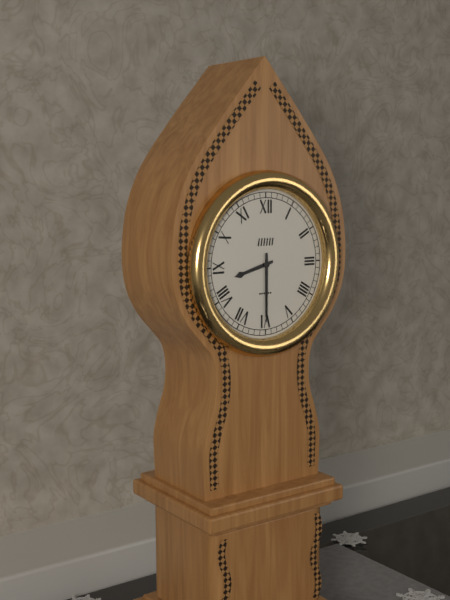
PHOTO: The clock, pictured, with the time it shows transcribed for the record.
8:30
